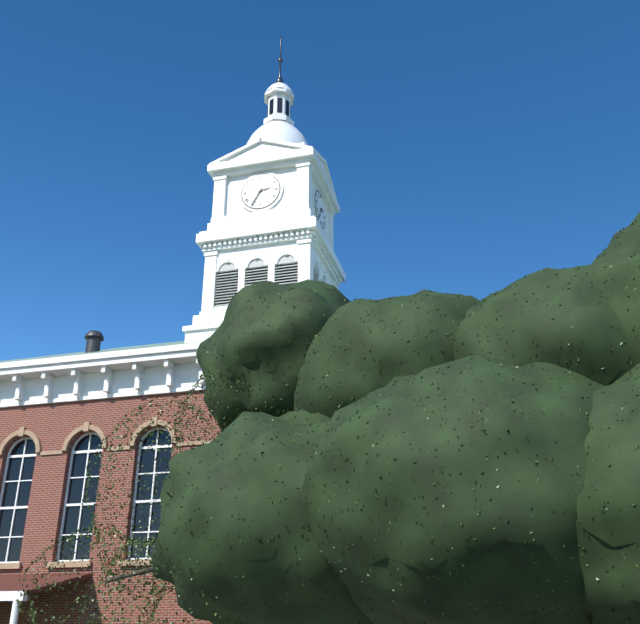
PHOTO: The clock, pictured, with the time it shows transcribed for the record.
2:35
